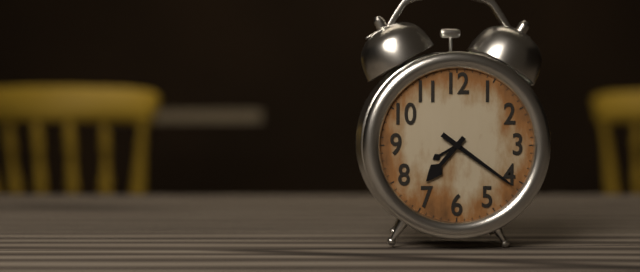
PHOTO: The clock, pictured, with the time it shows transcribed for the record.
7:21
